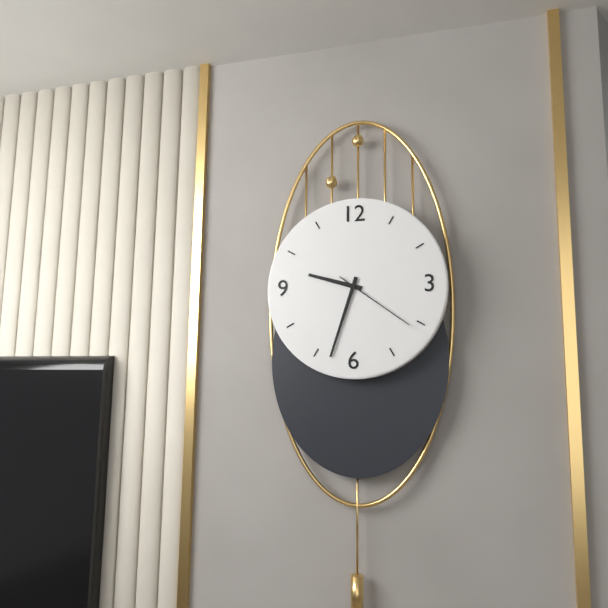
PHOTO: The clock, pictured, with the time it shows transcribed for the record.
9:33:21
